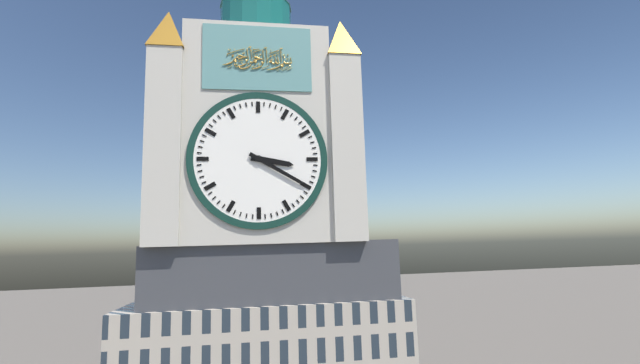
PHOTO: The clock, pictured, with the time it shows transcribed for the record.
3:20
